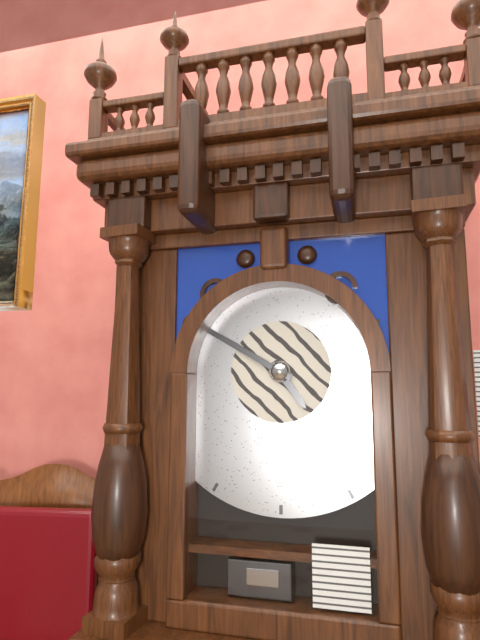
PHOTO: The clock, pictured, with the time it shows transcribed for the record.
4:50
